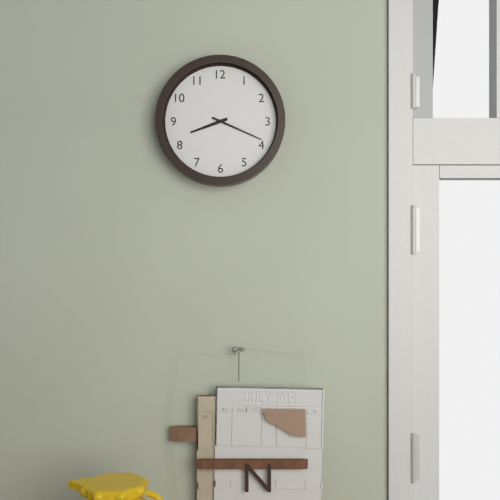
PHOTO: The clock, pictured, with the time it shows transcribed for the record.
8:19
